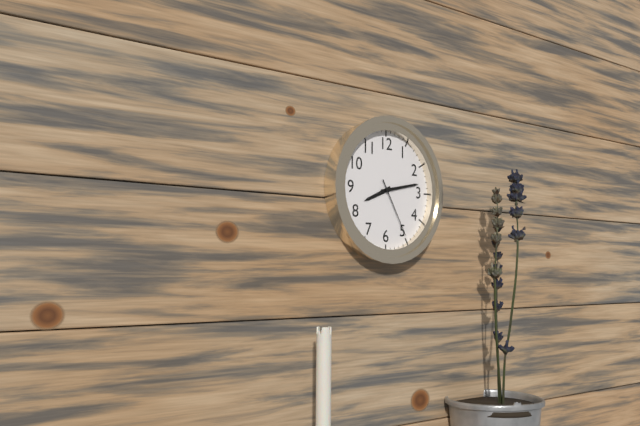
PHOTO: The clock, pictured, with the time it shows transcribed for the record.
8:13:25
